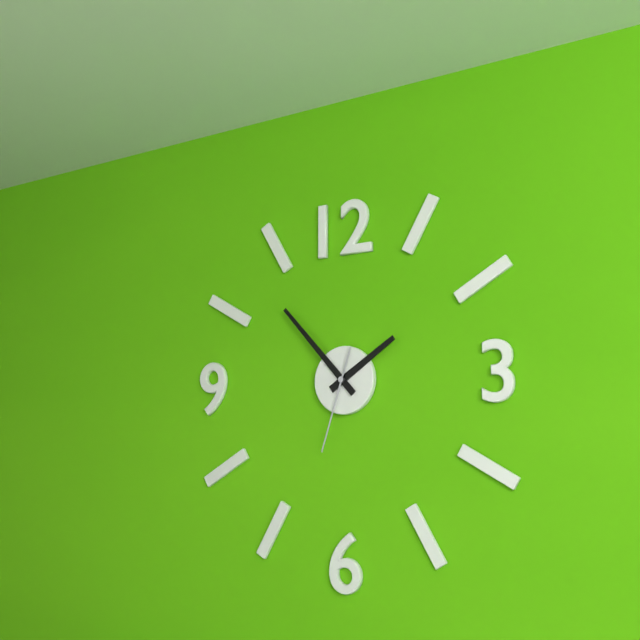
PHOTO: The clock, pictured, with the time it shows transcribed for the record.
1:53:33
